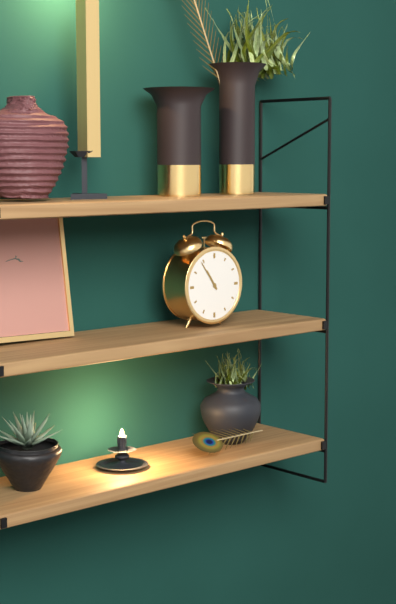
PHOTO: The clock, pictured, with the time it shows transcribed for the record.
10:54
